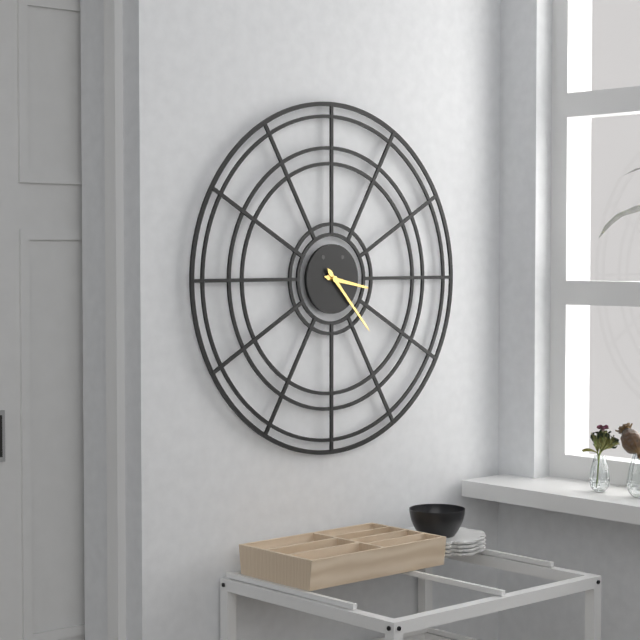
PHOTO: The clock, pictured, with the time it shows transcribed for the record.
3:23
